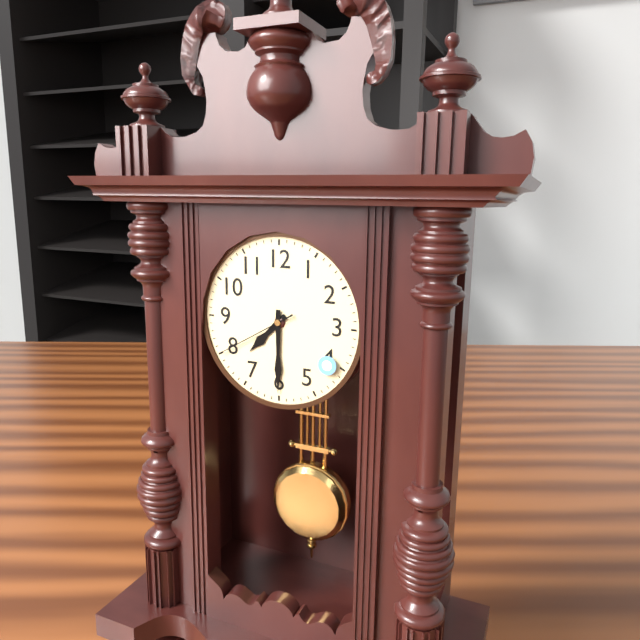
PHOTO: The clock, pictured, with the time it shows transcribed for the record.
7:30:40
